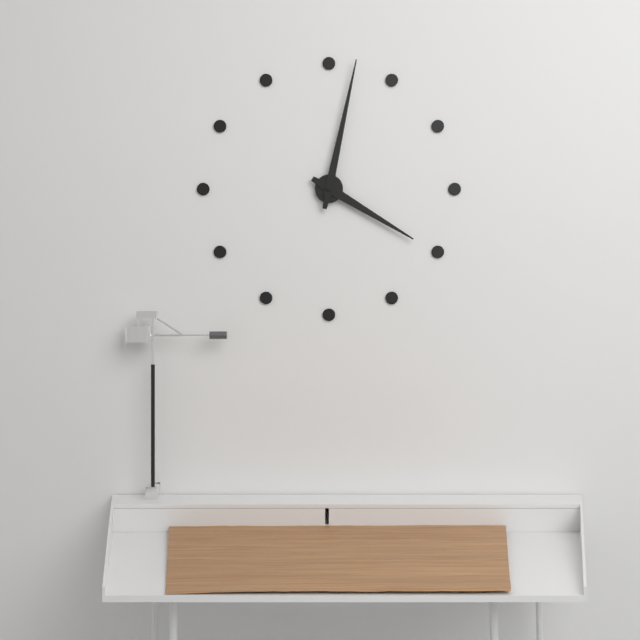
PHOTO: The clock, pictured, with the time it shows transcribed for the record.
4:02
